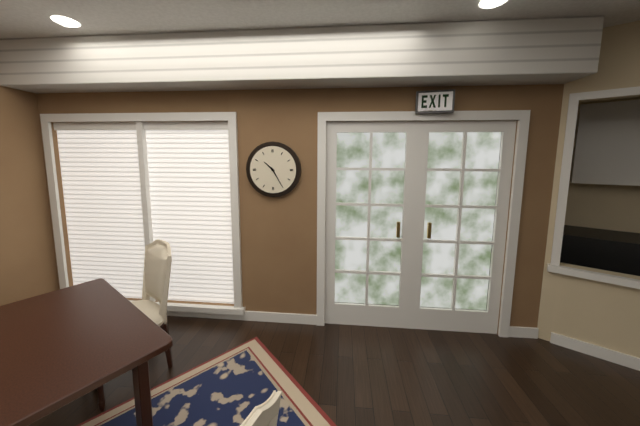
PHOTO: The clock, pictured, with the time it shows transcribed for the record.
10:25
